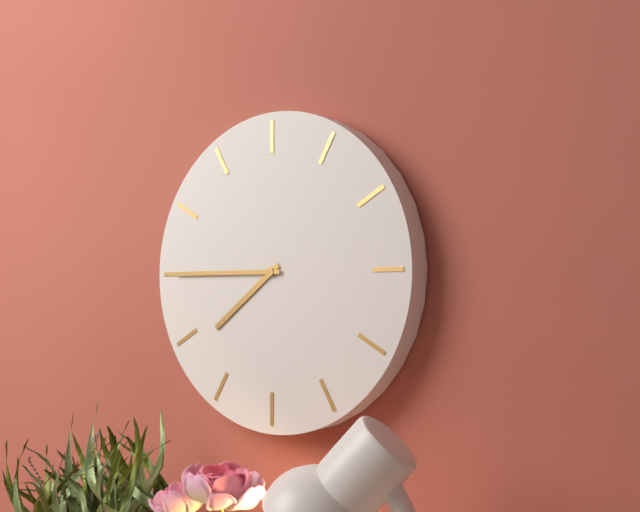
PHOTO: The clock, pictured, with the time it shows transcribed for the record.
7:45
